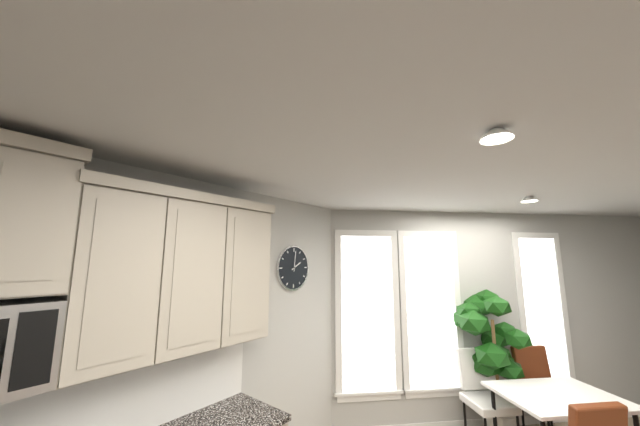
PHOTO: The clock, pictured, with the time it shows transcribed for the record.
2:01
